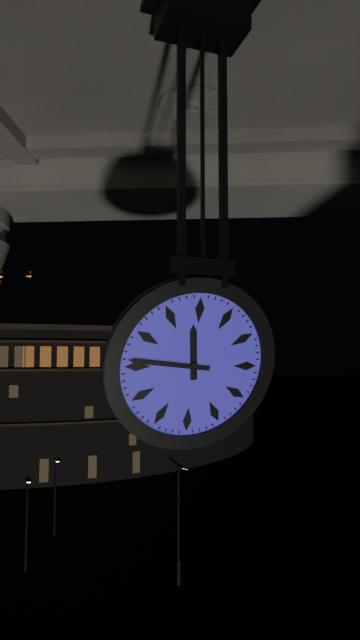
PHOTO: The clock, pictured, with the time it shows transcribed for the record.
11:46
